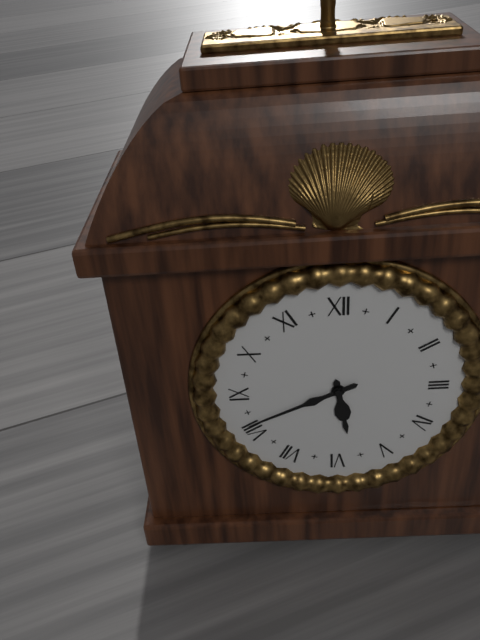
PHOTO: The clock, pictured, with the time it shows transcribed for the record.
5:41
